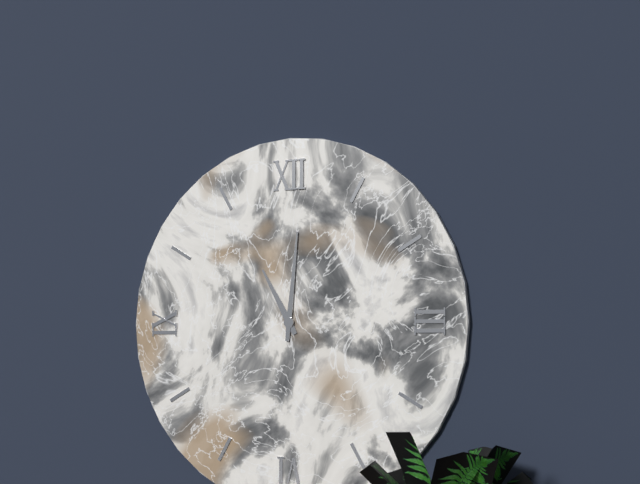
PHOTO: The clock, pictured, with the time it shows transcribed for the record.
11:01
